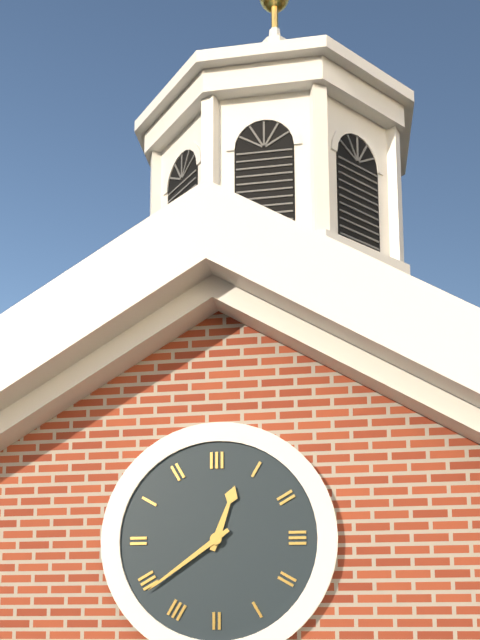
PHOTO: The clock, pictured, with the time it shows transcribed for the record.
12:39
